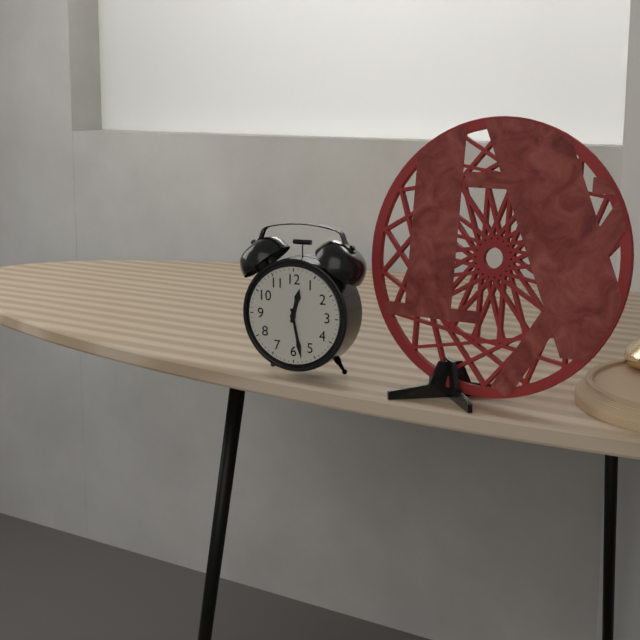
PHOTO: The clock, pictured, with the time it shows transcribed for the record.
12:28
